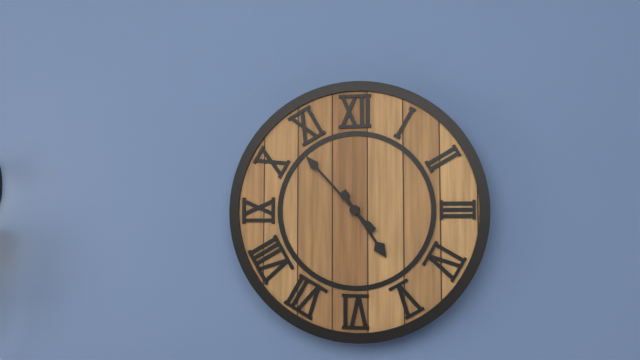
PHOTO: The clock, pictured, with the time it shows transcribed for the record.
4:53
